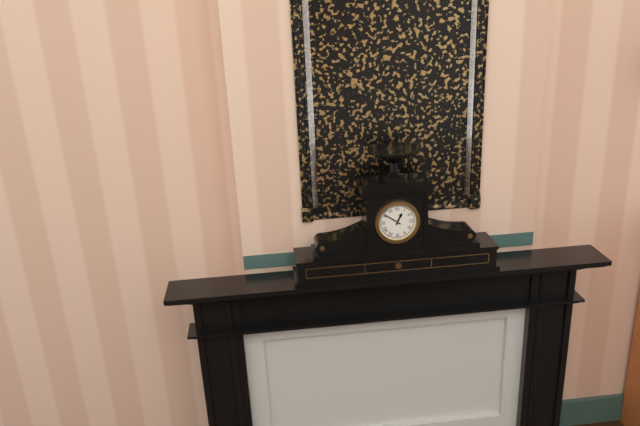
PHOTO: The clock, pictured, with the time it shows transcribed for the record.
12:51
